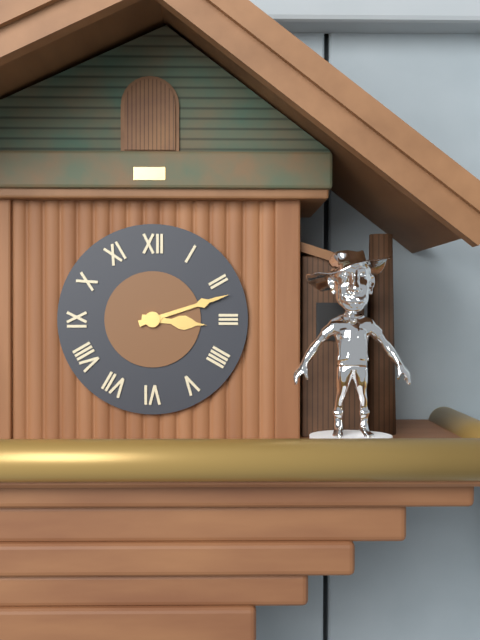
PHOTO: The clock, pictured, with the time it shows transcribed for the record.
3:12
